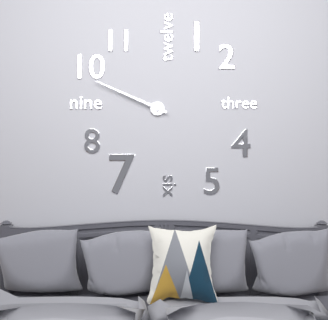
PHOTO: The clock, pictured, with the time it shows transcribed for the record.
9:49
